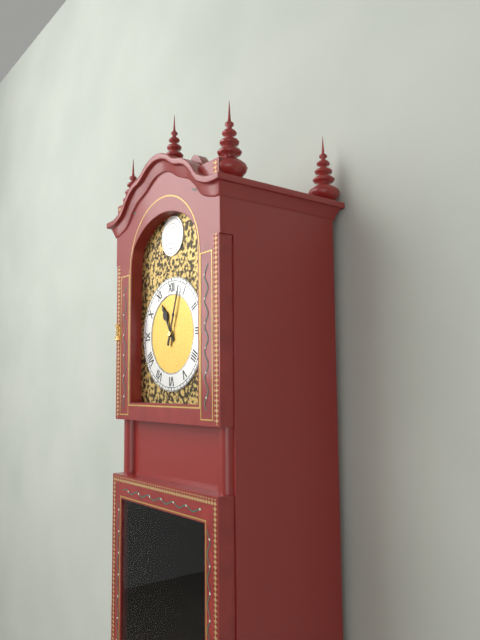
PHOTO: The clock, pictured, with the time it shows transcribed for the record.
11:03
